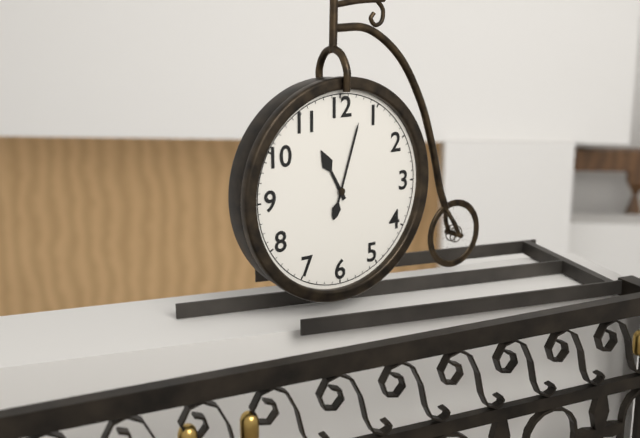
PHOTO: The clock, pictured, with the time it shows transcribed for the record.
11:03
